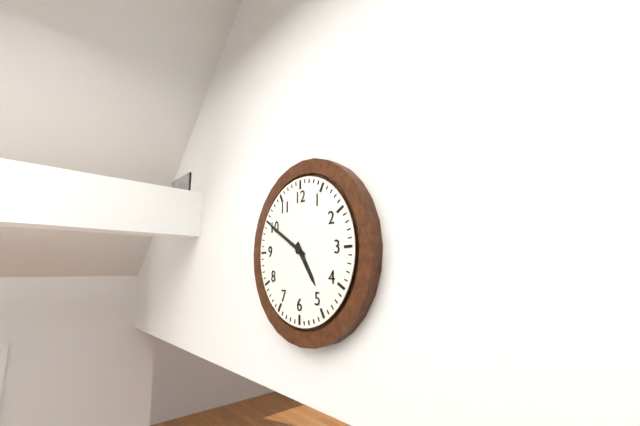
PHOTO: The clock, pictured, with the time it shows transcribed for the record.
4:50
